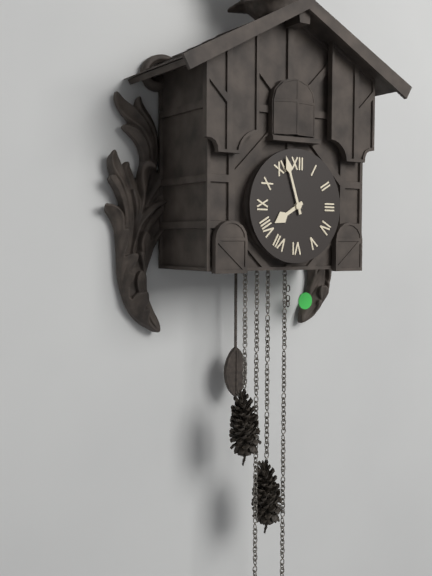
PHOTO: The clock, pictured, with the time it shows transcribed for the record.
7:57
